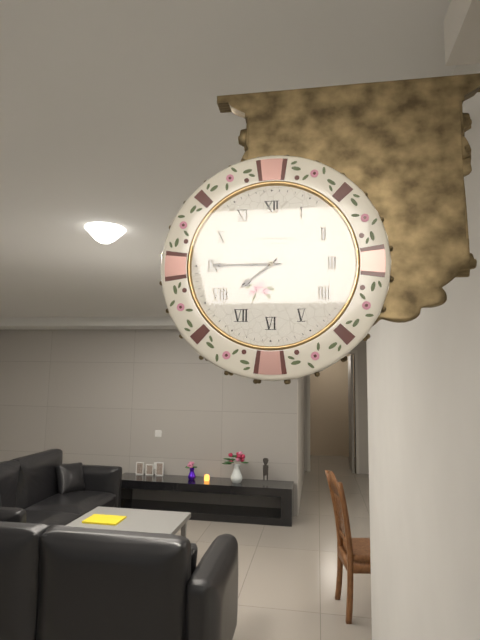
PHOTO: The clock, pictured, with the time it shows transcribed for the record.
7:45
